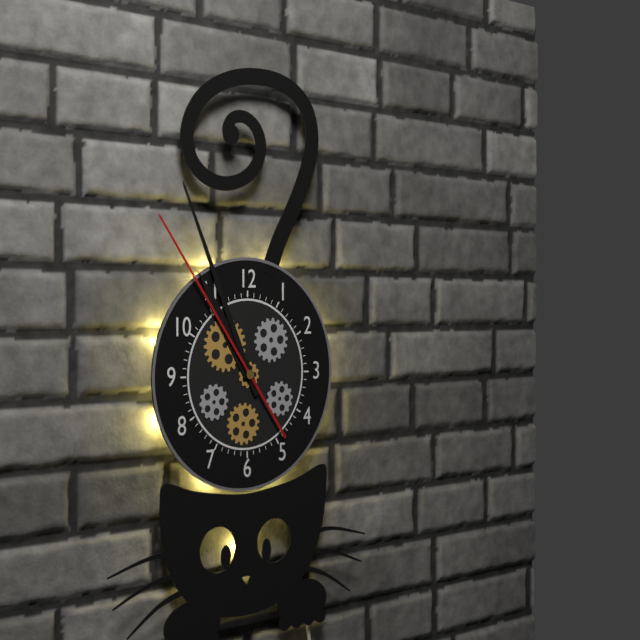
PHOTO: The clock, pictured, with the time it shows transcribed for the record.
10:56:54
